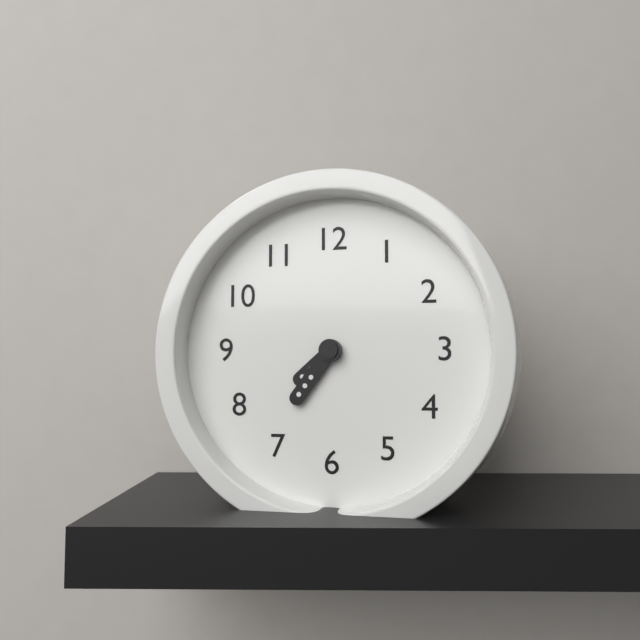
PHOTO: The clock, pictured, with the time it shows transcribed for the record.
7:36
